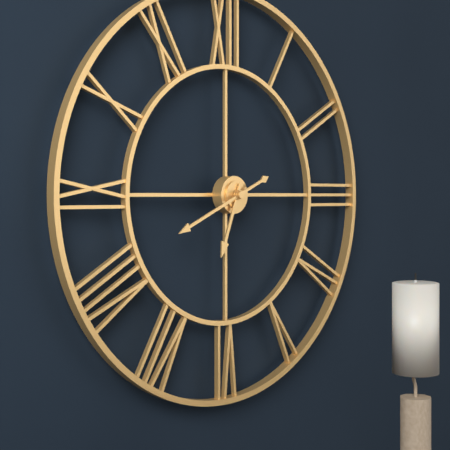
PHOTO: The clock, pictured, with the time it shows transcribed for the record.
6:41
